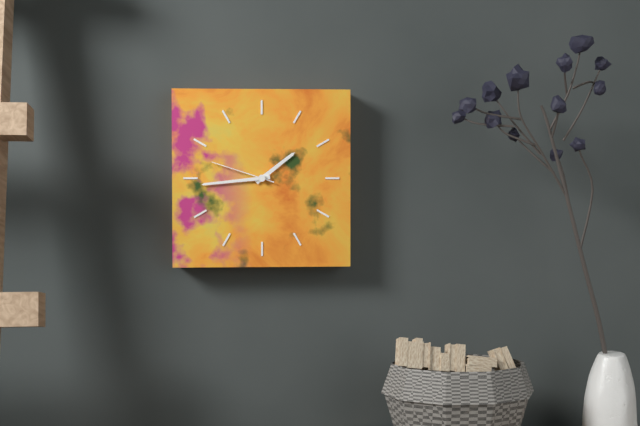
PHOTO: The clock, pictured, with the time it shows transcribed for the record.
1:44:48
